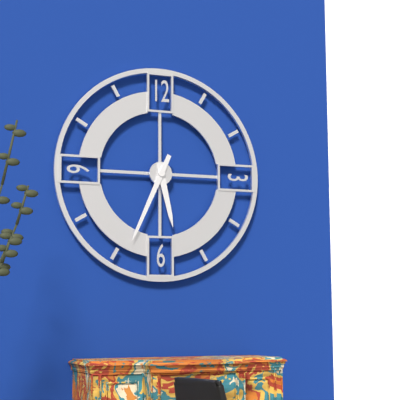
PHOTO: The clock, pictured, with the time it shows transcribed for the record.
5:34
